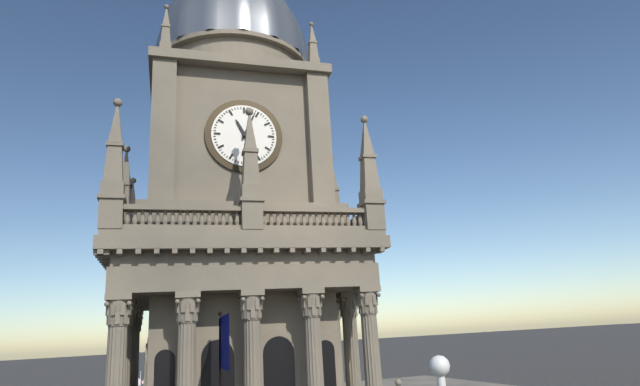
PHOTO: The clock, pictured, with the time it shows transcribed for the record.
11:04
